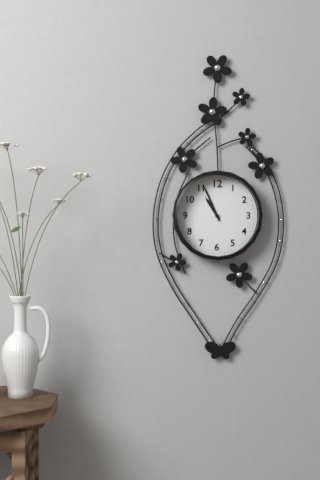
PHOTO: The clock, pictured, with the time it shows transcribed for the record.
10:56
